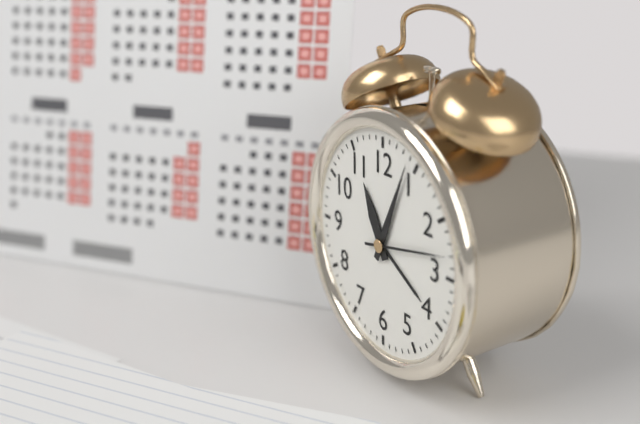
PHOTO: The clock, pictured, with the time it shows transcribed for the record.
11:04:13
